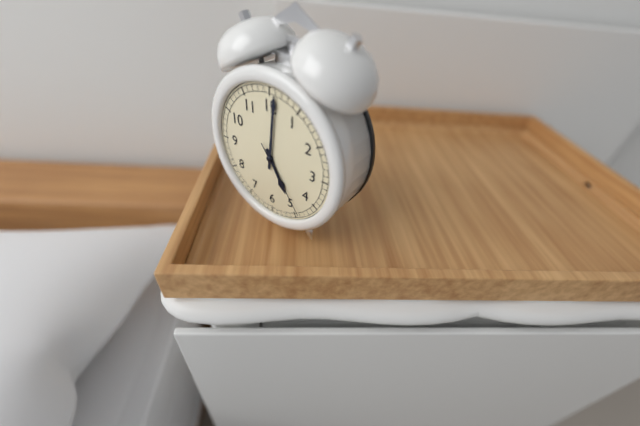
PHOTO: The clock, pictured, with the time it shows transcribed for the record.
5:01:24
